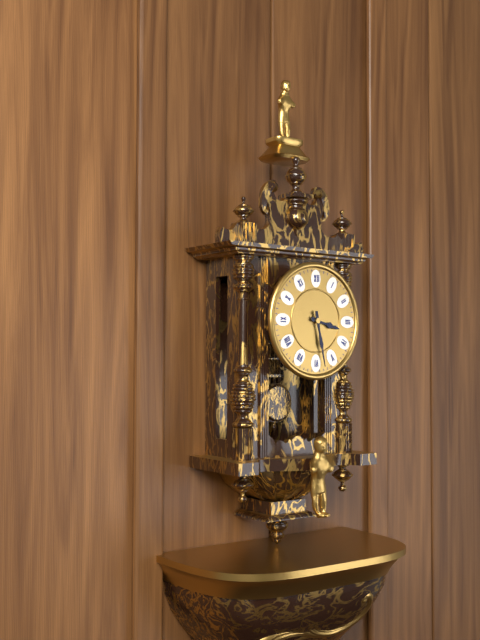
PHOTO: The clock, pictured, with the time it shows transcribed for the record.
3:28
